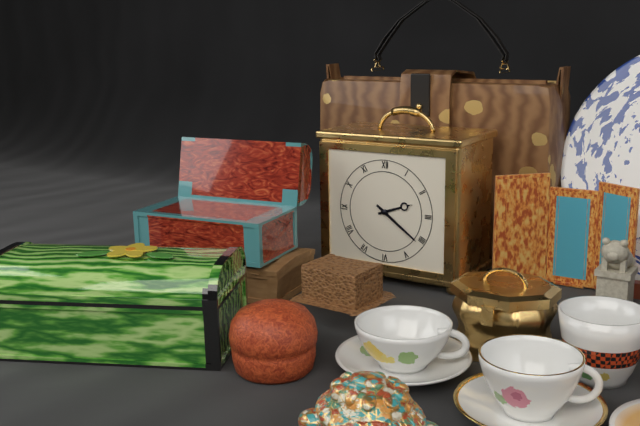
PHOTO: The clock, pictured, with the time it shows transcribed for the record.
2:21
